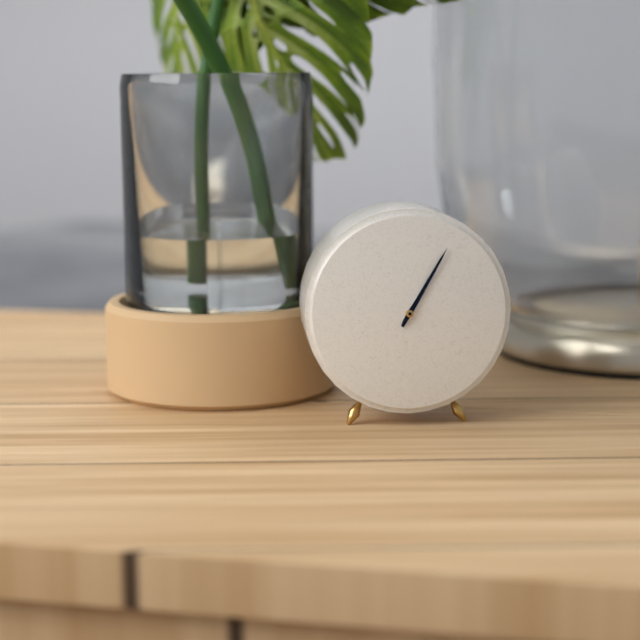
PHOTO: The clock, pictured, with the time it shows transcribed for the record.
1:05
